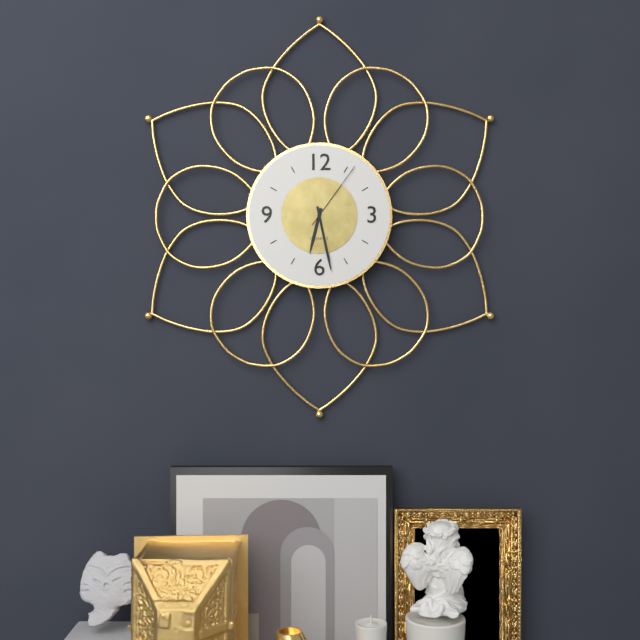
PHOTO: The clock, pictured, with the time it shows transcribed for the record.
6:28:06
